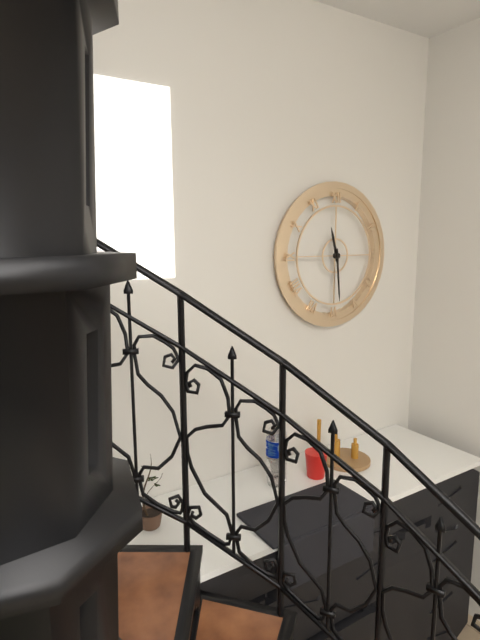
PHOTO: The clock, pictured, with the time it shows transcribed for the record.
11:29
